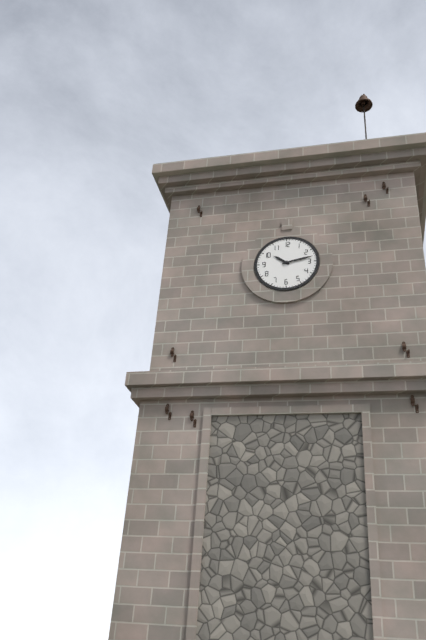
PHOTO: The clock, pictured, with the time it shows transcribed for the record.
10:13
